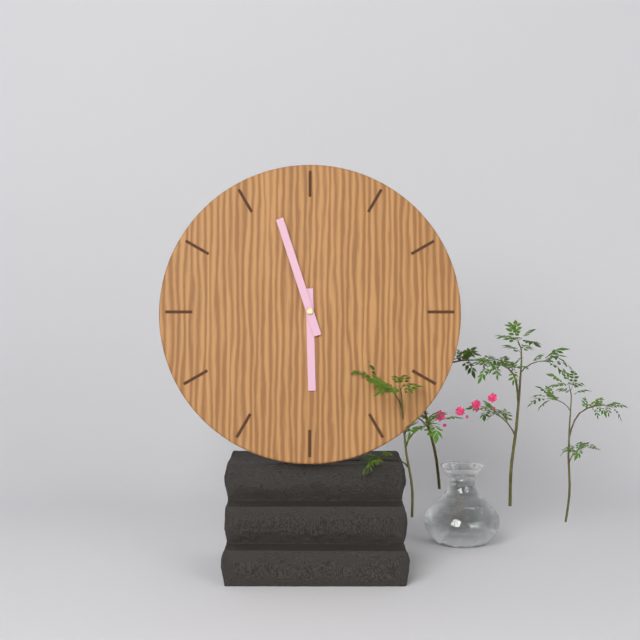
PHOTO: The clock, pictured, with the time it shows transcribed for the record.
5:57
